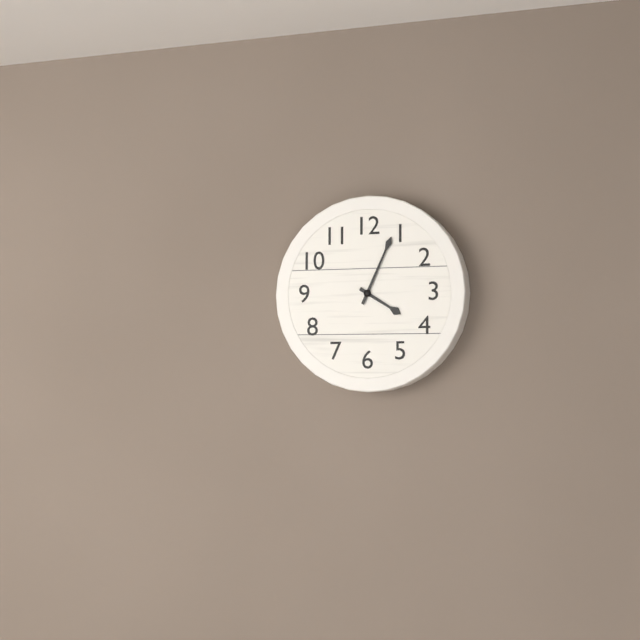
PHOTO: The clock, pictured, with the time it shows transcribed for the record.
4:04
